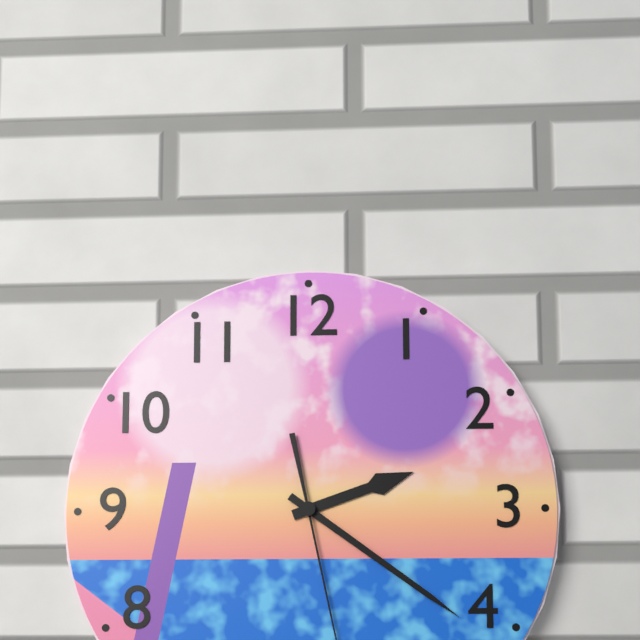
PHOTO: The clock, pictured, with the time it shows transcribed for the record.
2:21
